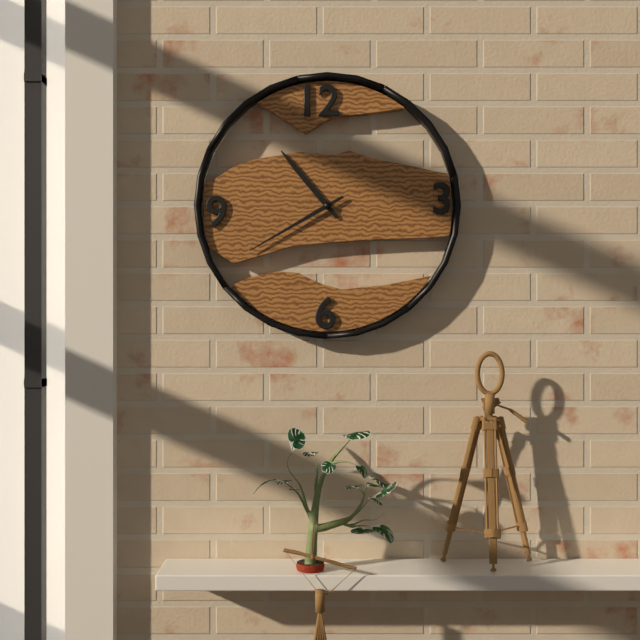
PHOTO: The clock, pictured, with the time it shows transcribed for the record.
10:40
